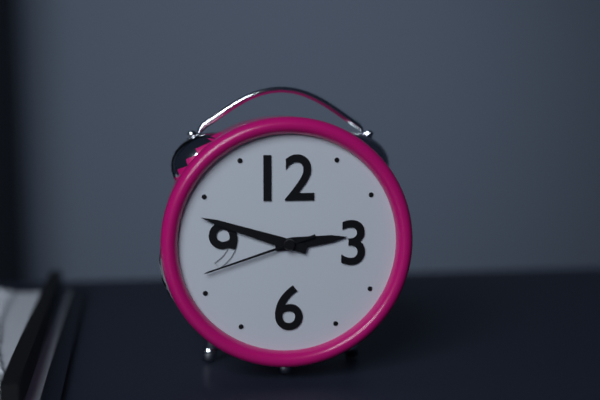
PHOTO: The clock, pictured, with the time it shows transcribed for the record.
2:48:42
